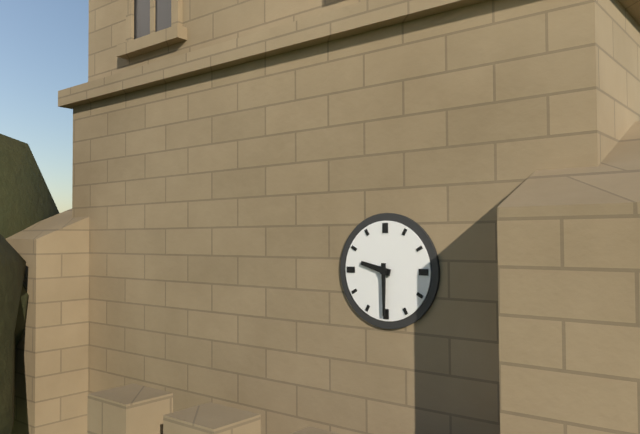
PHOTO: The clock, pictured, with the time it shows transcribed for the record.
9:30
